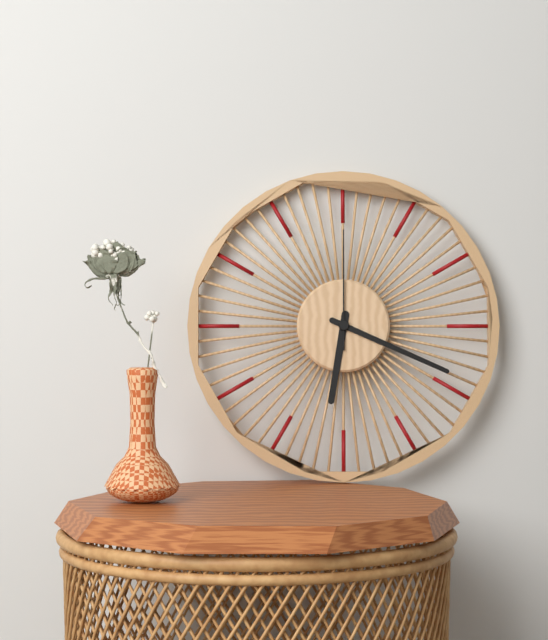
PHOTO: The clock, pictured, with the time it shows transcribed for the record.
6:19:00
